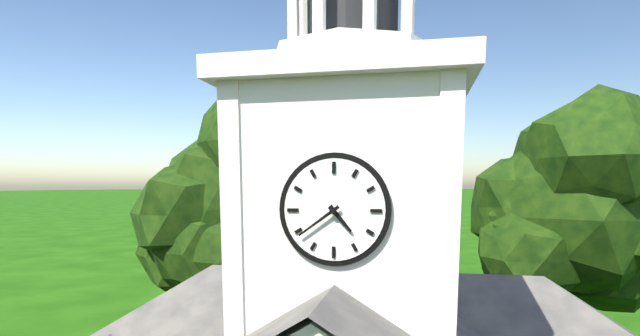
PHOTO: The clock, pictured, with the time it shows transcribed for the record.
4:39
